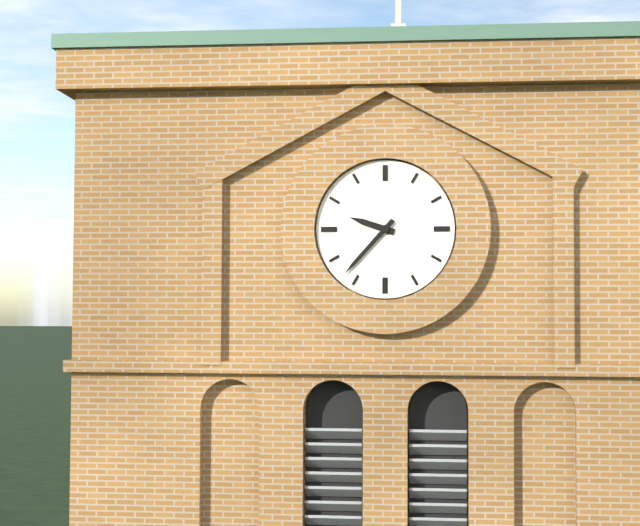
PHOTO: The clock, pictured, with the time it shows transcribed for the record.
9:37
